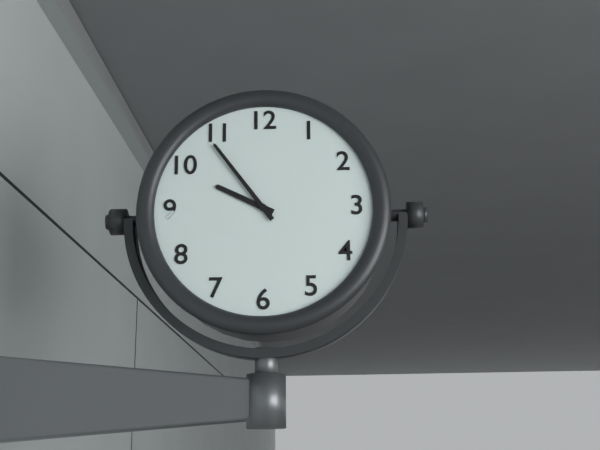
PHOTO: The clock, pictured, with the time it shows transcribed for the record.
9:54
